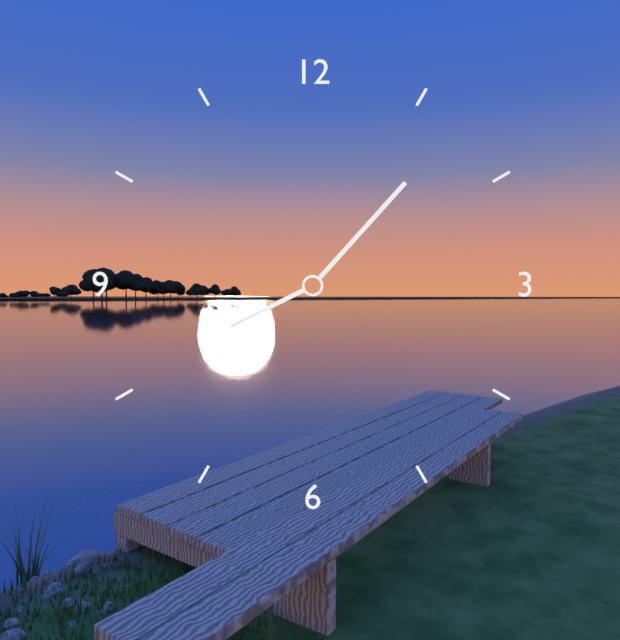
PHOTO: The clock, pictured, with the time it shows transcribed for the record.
8:07
